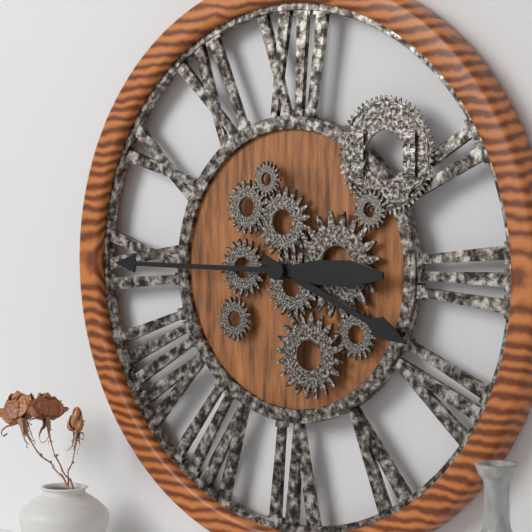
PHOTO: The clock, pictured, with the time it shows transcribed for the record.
3:45
